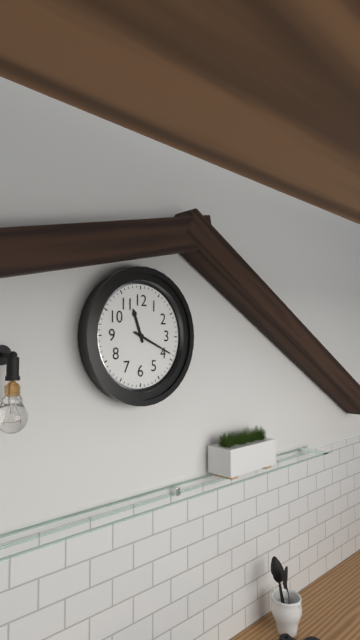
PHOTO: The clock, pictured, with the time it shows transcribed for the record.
11:19
